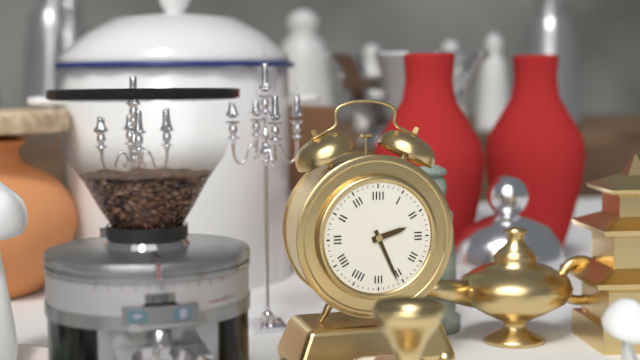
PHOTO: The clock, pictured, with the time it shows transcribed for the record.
2:26
